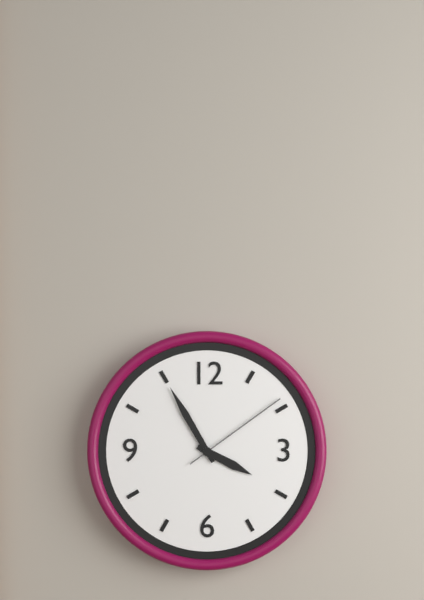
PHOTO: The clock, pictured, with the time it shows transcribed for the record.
3:55:09
